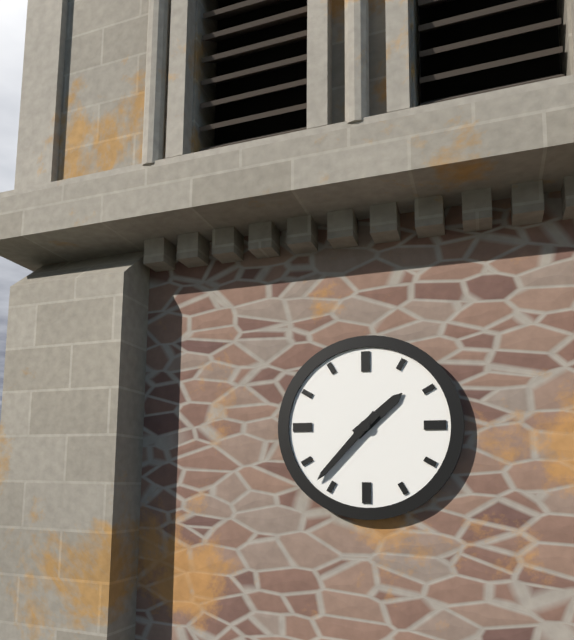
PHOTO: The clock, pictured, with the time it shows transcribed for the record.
1:37
